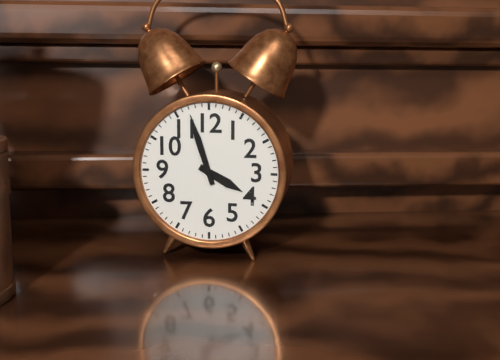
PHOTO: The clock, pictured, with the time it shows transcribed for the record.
3:57
